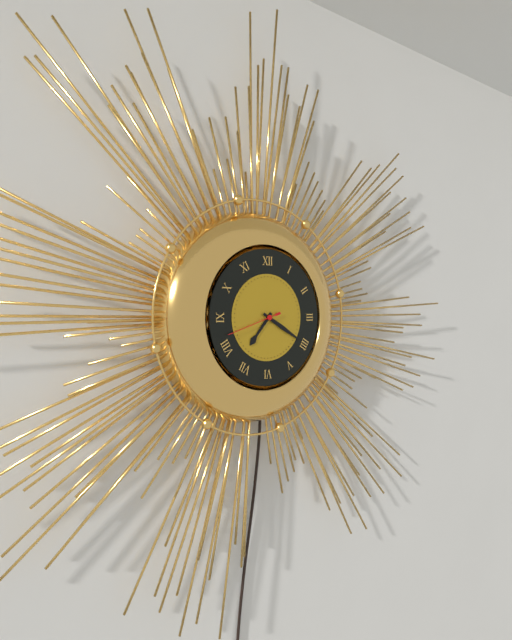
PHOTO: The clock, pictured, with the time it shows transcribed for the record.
7:20:42
